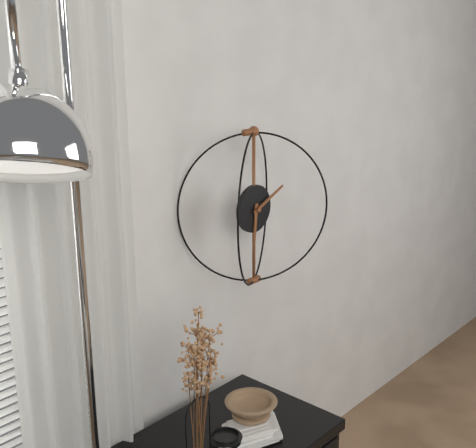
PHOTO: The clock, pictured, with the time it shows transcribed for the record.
6:11
